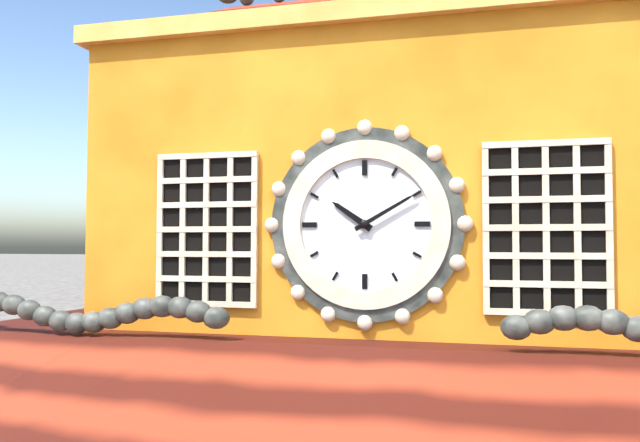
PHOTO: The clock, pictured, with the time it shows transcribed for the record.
10:10
